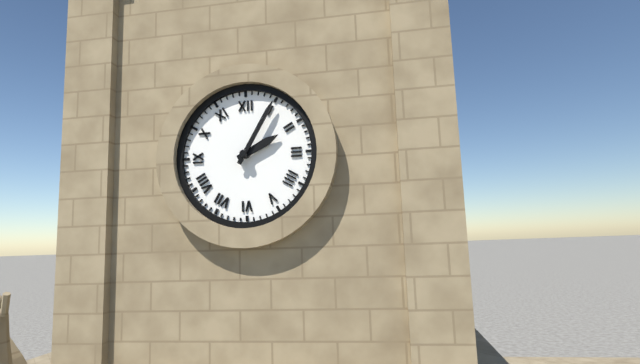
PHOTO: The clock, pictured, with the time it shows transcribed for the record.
2:05
